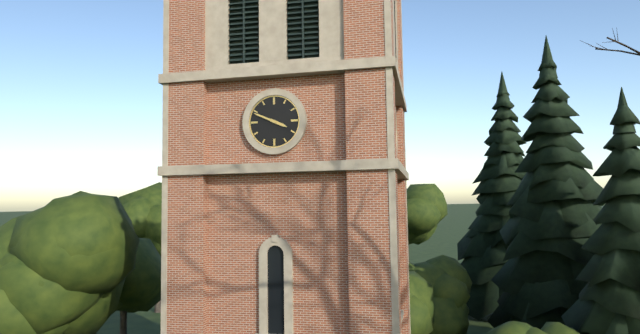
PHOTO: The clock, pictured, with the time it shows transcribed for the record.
3:49
